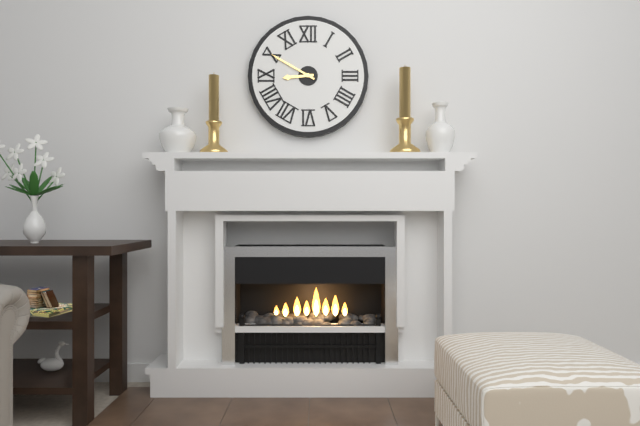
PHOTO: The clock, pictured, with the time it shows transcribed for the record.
8:50
